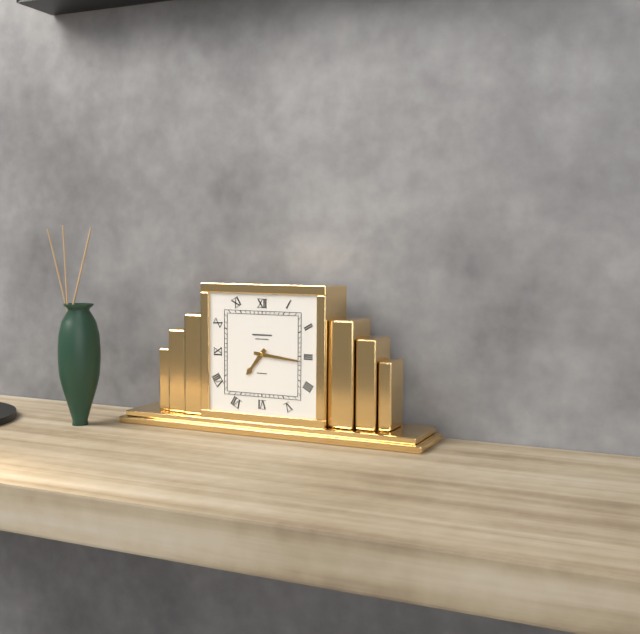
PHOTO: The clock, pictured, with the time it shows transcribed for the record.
7:16
